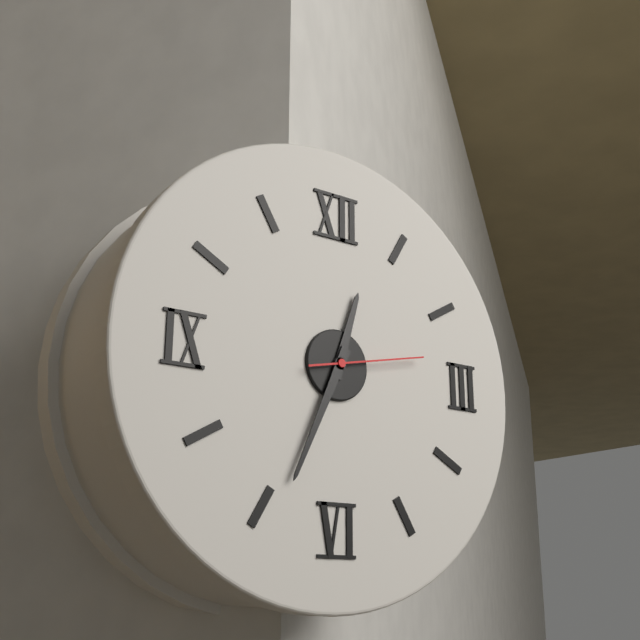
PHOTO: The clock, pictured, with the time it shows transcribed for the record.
12:34:13
